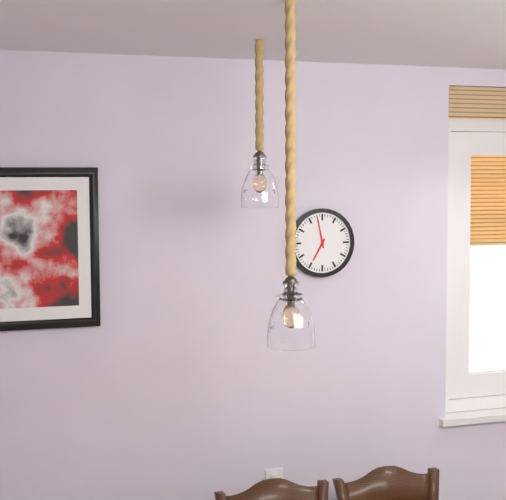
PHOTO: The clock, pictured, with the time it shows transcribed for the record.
6:58
